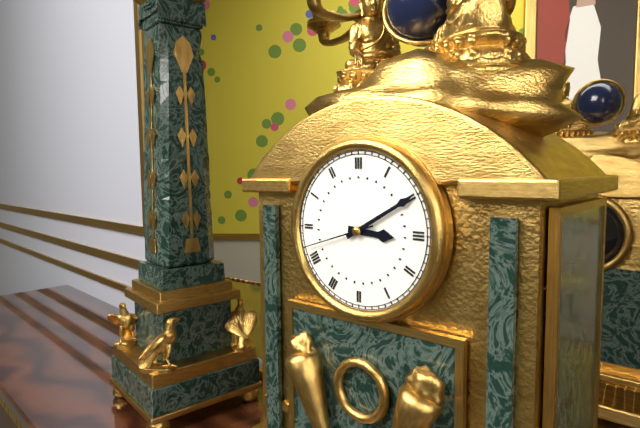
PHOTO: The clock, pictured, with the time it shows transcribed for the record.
3:10:42
